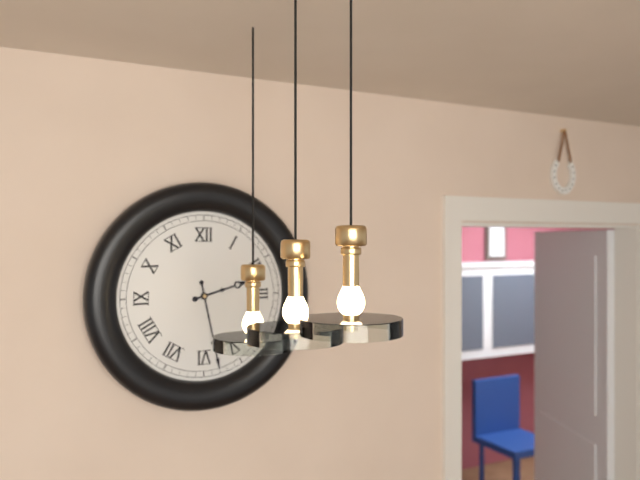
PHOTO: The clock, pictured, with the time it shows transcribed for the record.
2:28
